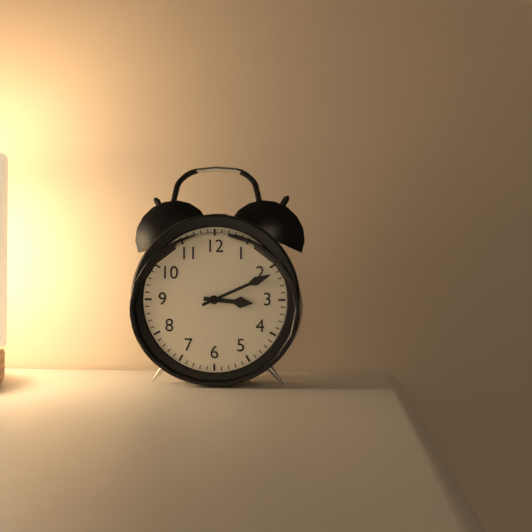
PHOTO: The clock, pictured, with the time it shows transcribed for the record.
3:11
